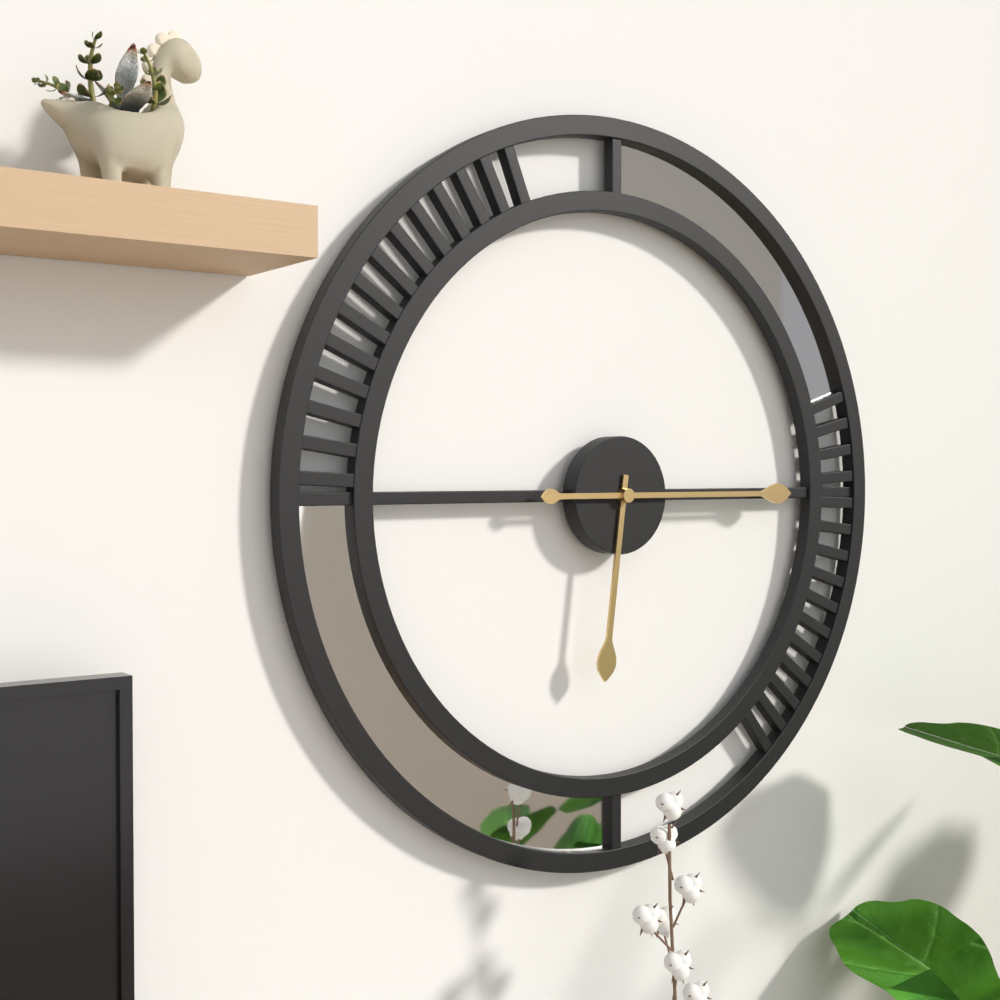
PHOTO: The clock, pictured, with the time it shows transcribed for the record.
6:15
